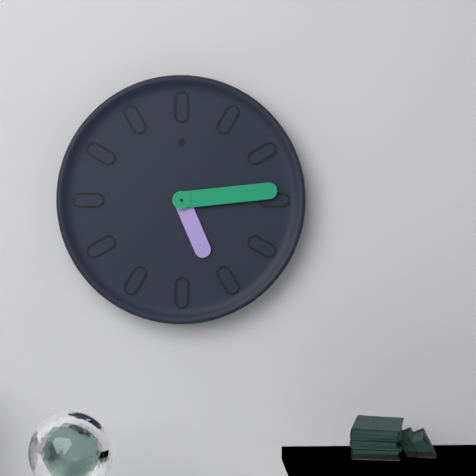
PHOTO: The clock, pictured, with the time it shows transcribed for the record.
5:14
